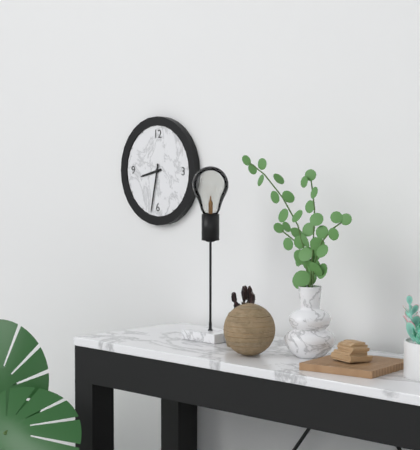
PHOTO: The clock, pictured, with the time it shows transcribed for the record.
8:32
